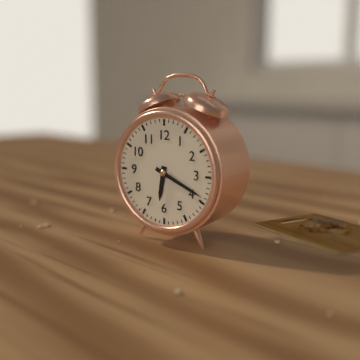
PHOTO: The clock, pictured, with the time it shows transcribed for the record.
6:19
